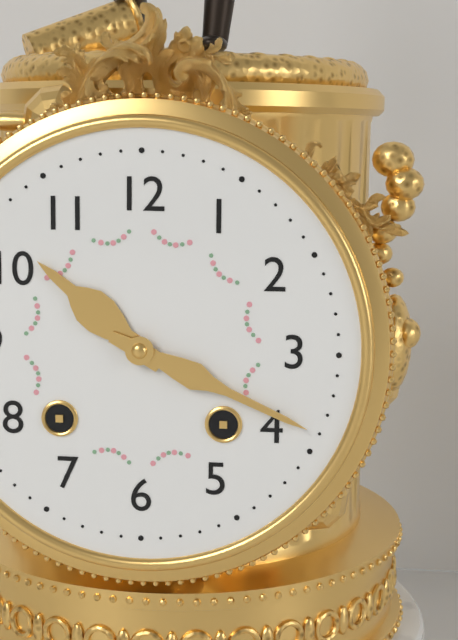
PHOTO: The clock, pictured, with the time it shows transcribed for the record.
10:19
